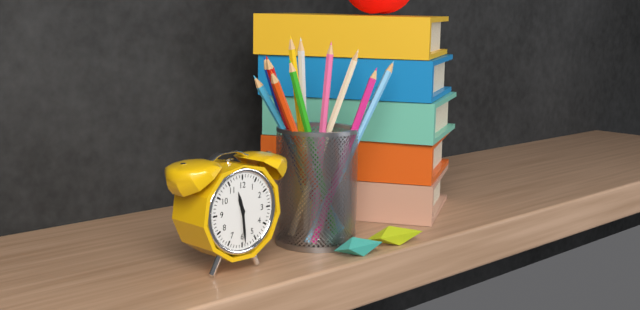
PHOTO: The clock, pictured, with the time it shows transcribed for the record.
11:29
